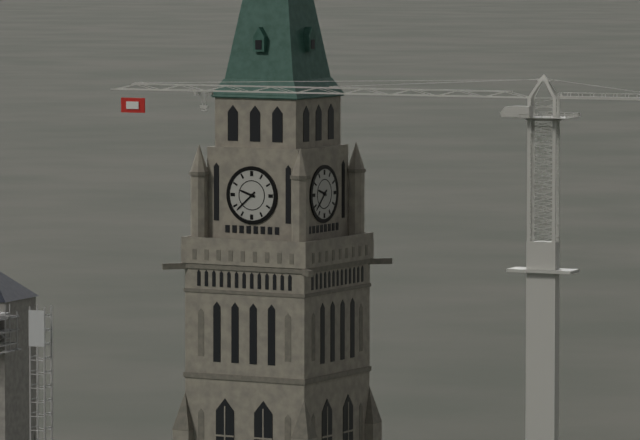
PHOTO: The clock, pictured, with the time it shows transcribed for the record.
9:38
